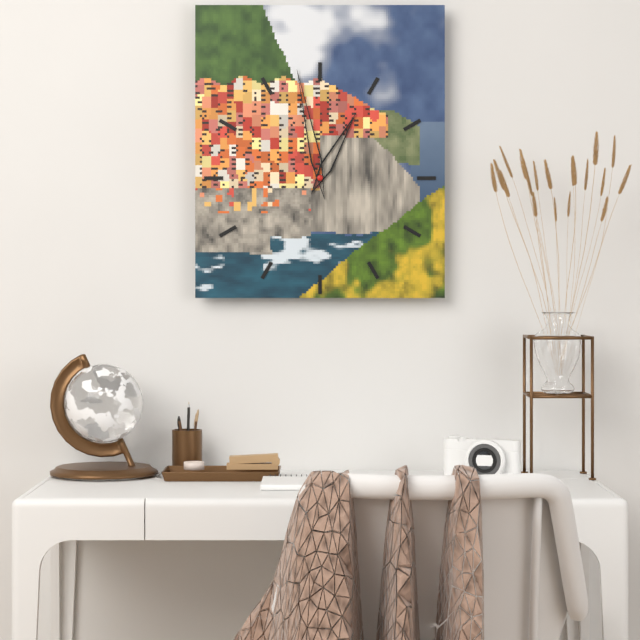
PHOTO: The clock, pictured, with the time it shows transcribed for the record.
12:58
